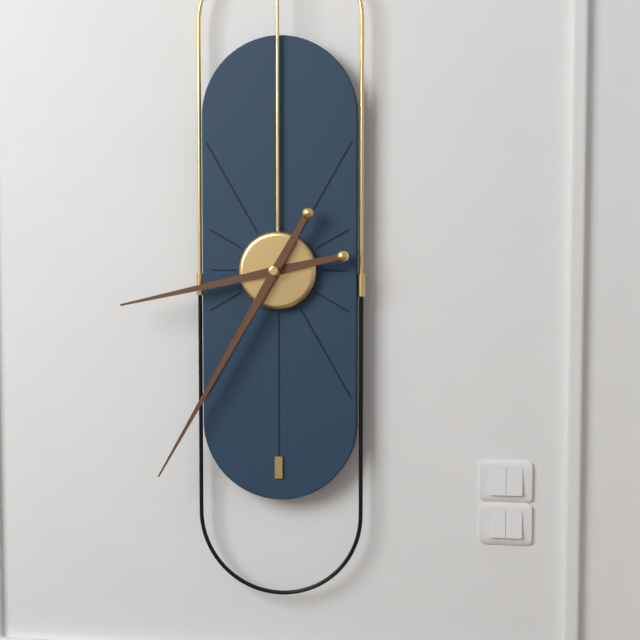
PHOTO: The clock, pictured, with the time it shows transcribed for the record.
8:35
